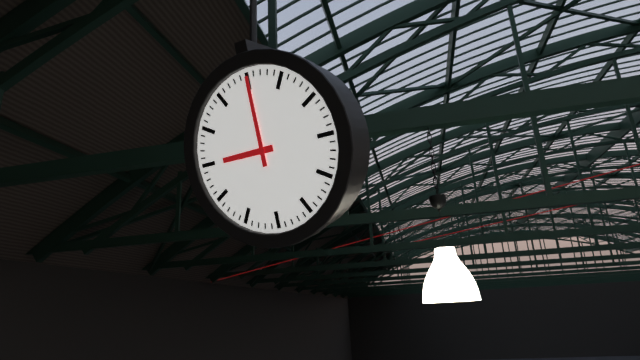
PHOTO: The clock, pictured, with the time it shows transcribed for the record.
9:00
